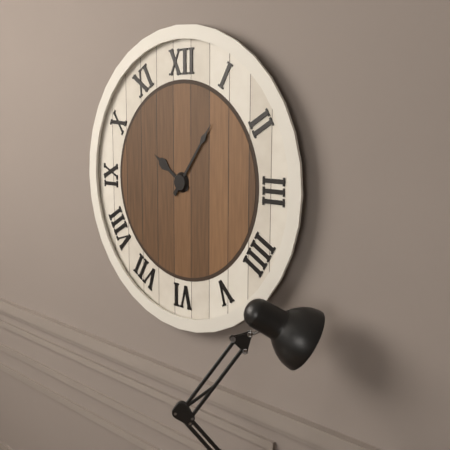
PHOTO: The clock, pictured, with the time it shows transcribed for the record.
10:06
